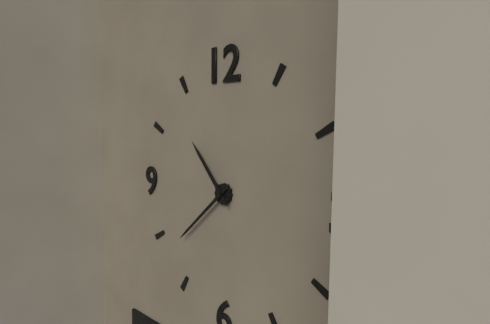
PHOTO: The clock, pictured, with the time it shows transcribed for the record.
10:38
